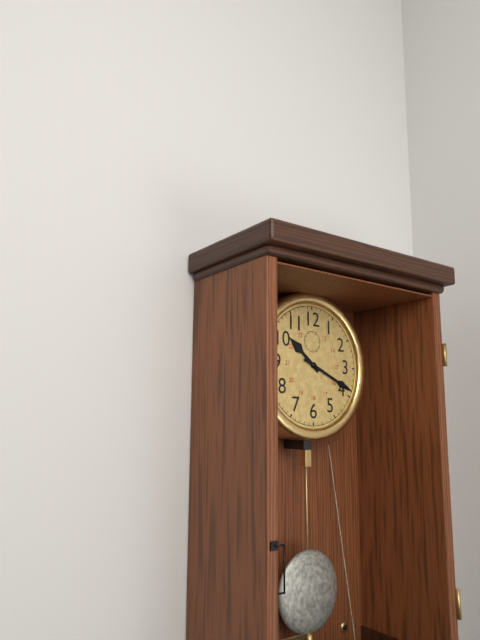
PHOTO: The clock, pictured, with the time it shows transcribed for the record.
10:19
